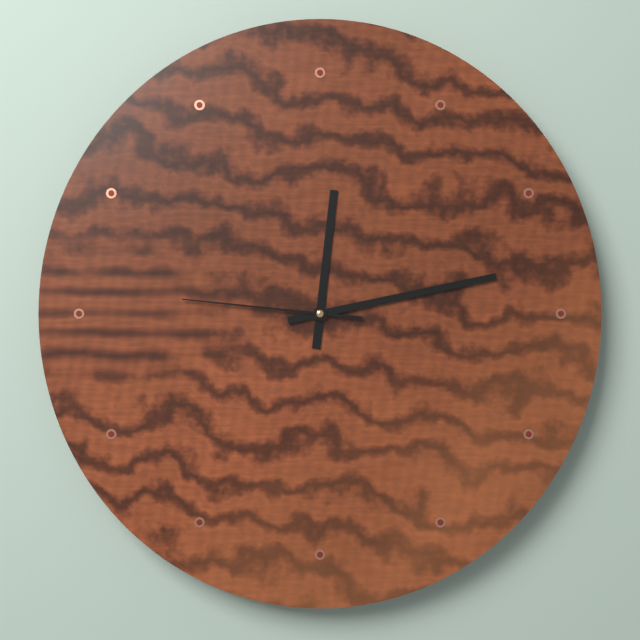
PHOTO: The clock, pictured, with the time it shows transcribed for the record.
12:13:46
